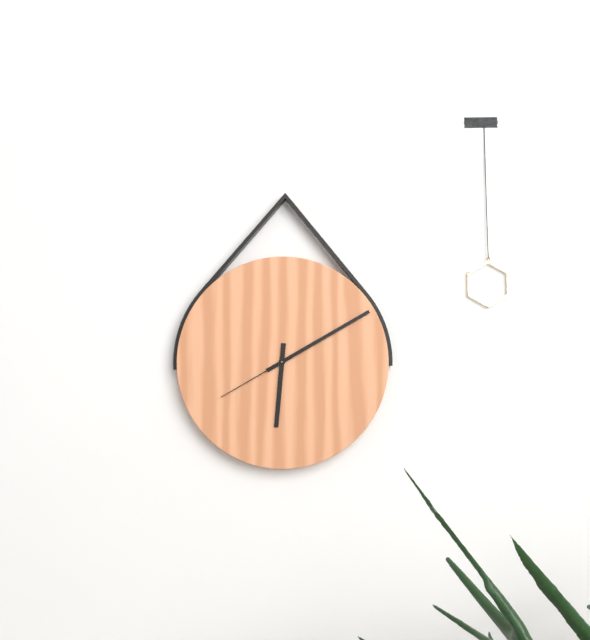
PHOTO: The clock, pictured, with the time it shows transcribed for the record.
6:10:40
